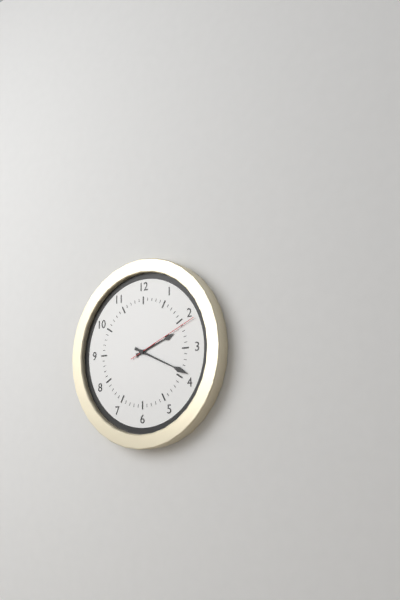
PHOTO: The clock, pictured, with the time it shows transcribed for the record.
2:19:11
